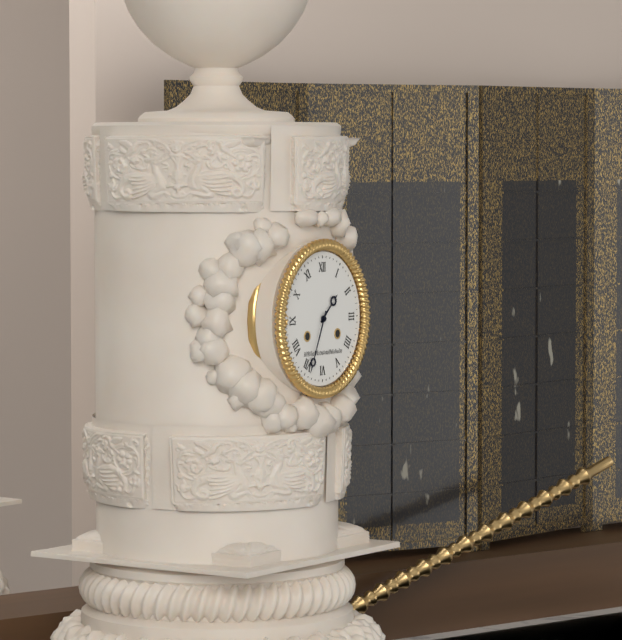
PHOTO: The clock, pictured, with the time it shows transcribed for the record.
1:34
